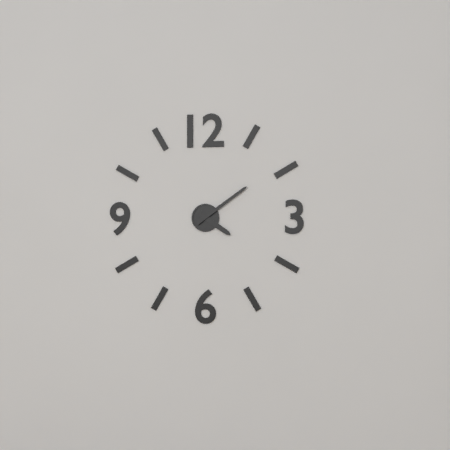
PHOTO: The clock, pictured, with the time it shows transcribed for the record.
4:09
